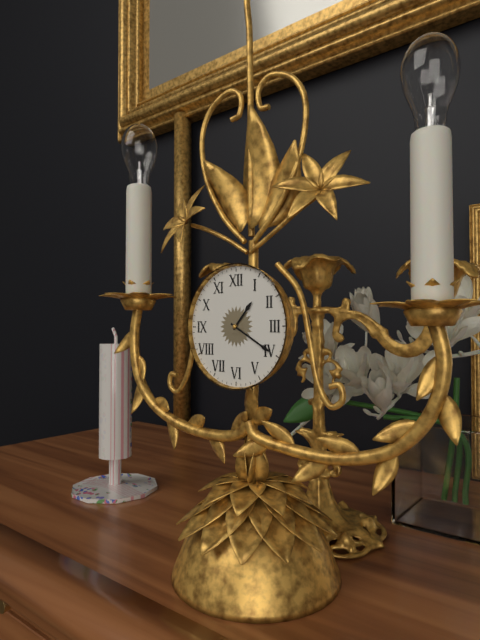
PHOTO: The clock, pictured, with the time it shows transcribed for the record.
1:20
